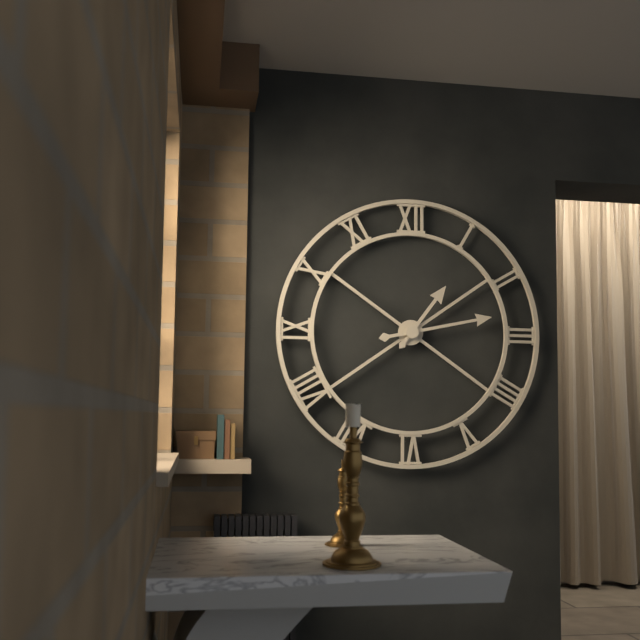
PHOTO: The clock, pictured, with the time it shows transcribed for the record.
1:13
